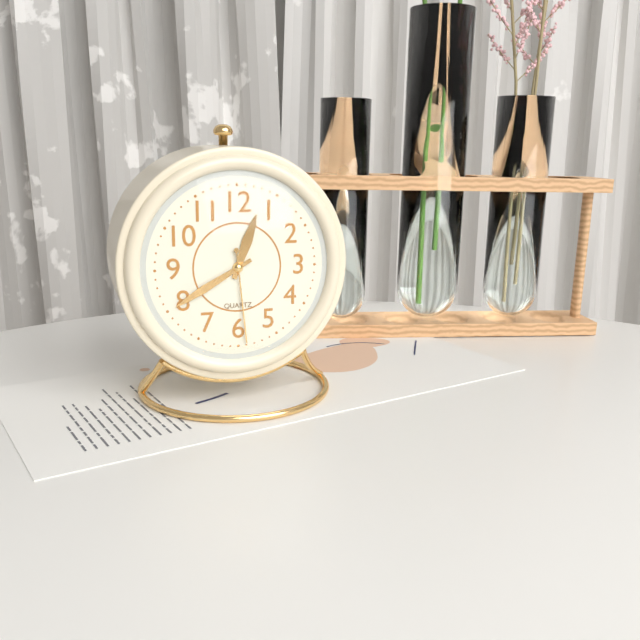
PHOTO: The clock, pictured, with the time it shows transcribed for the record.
12:40:29
